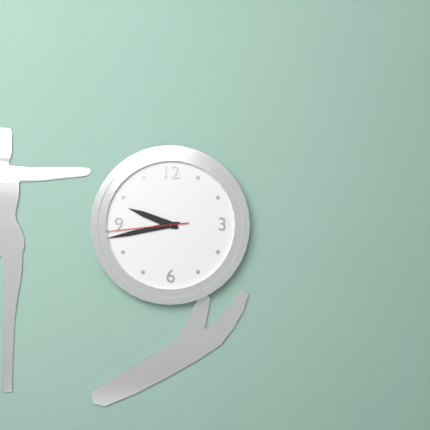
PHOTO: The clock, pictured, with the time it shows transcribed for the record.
9:43:44
